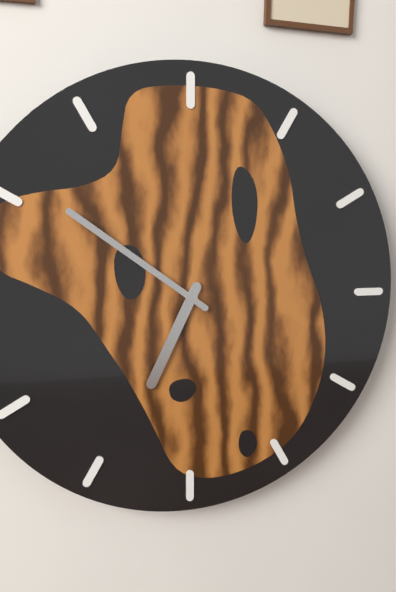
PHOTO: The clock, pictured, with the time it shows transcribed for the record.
6:51
